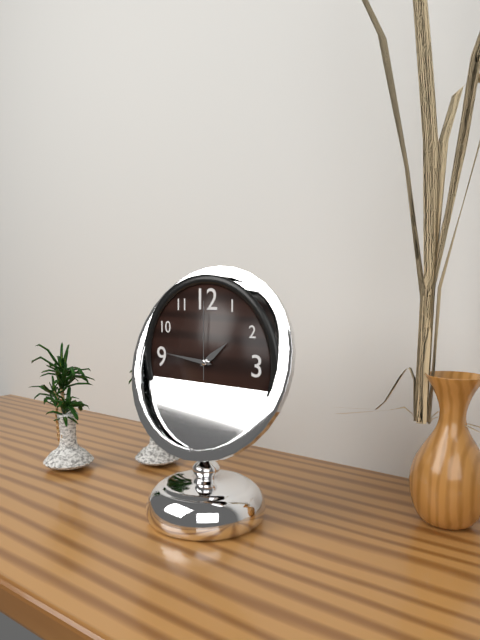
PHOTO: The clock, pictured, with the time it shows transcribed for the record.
1:46:00
